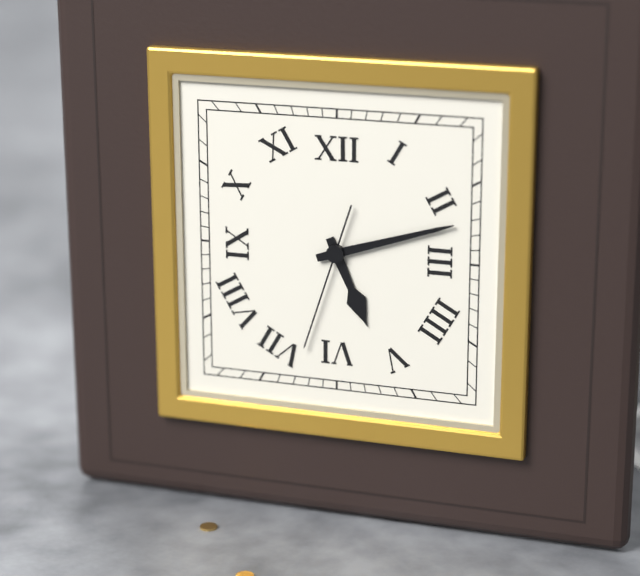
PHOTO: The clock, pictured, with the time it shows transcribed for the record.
5:12:33
